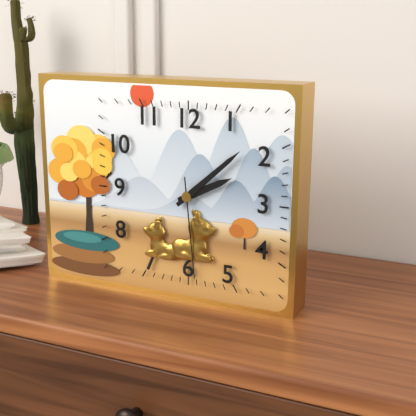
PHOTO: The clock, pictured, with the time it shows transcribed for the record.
2:08:29
